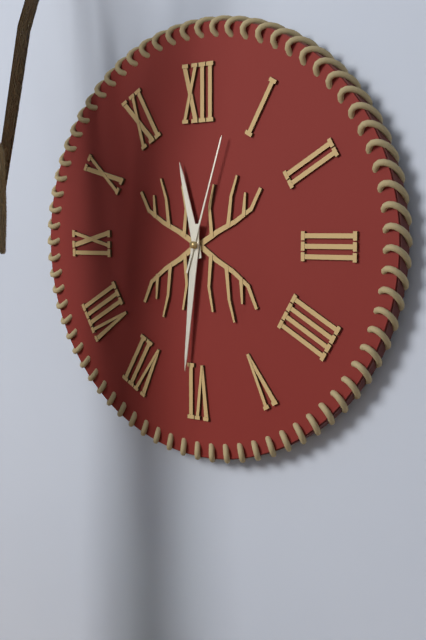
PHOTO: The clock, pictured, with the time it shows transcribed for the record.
11:31:03
